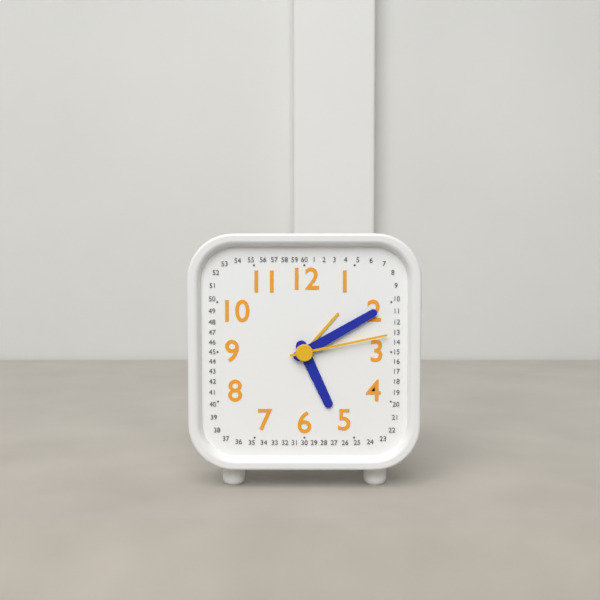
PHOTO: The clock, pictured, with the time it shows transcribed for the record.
5:10:13
